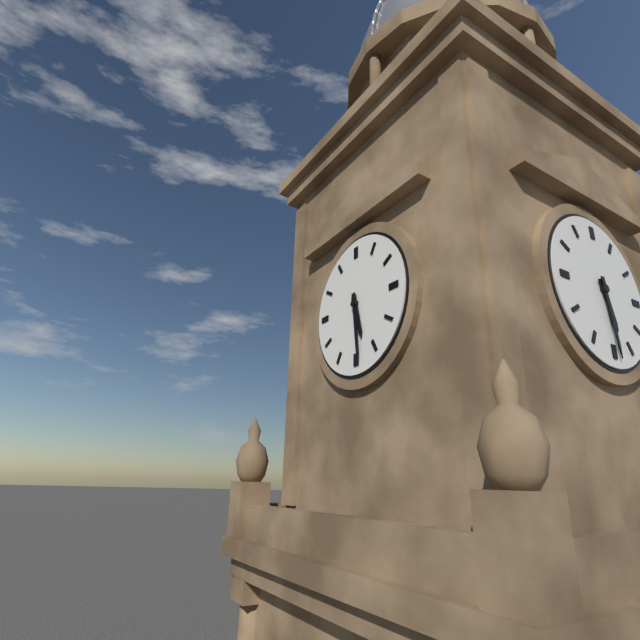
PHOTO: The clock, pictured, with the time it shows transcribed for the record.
5:29
